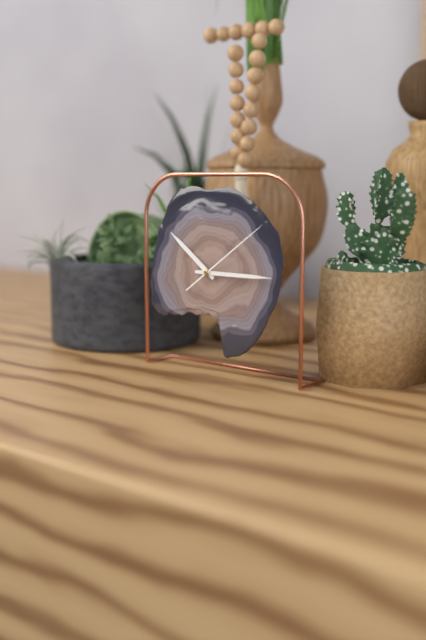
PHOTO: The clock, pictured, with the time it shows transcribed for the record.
10:15:09
